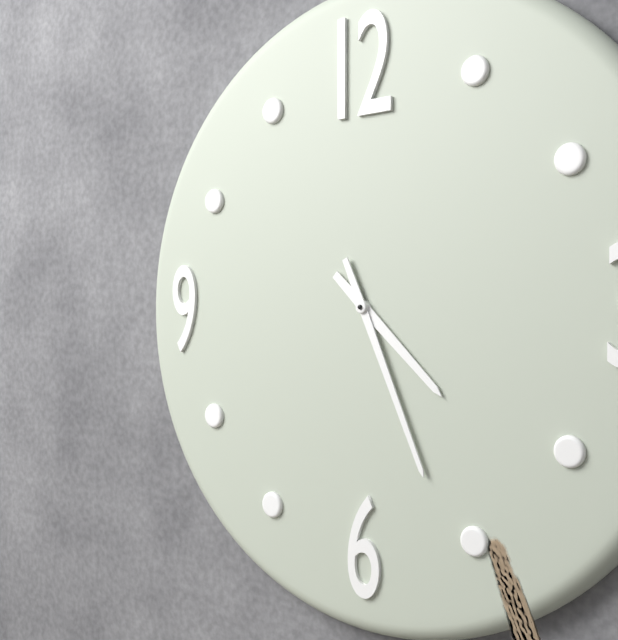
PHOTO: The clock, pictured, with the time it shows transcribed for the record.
4:26
